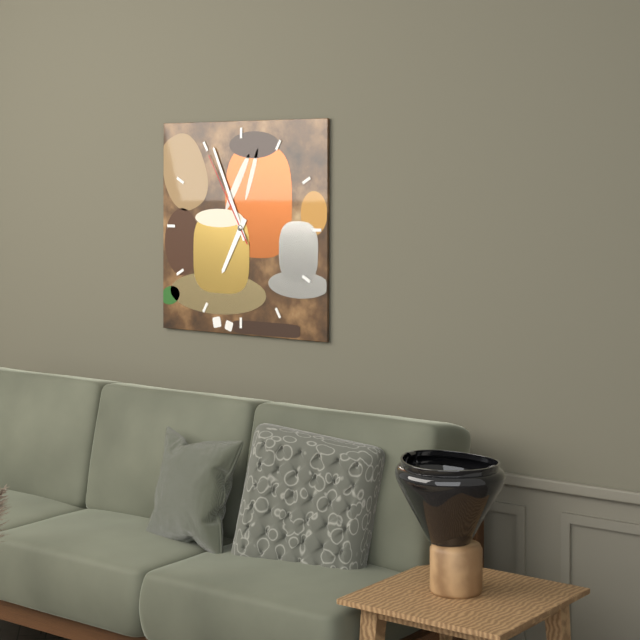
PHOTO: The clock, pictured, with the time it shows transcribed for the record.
6:56:55
